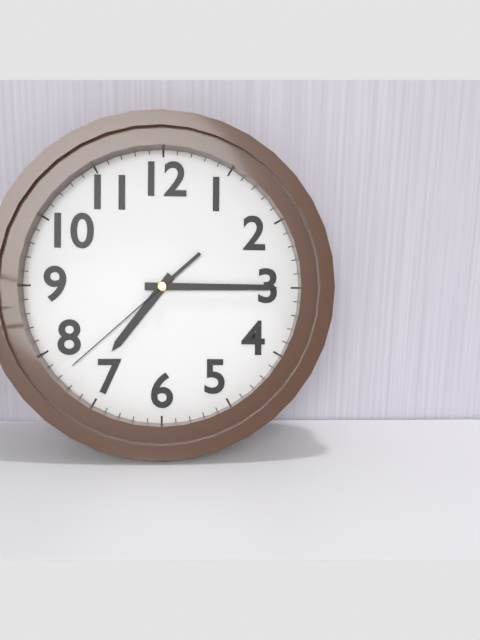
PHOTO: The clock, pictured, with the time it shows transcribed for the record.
7:15:38
